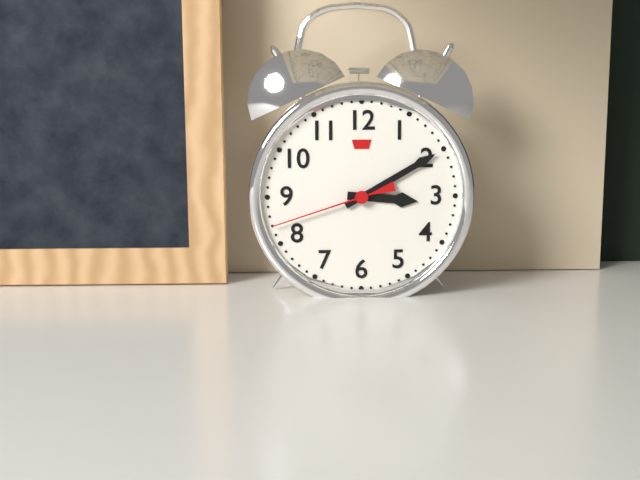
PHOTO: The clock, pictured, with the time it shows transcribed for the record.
3:10:42
